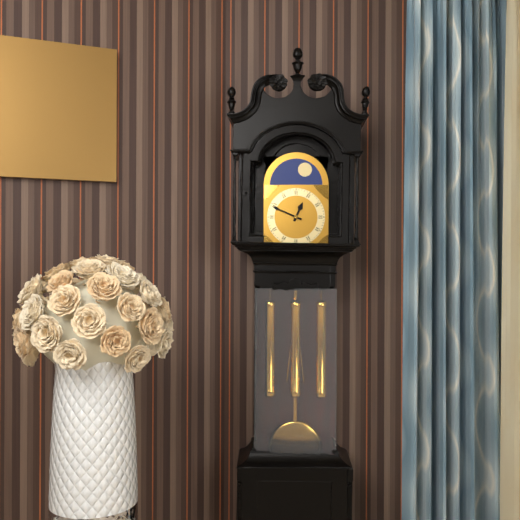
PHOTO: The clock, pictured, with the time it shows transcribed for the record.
12:49
